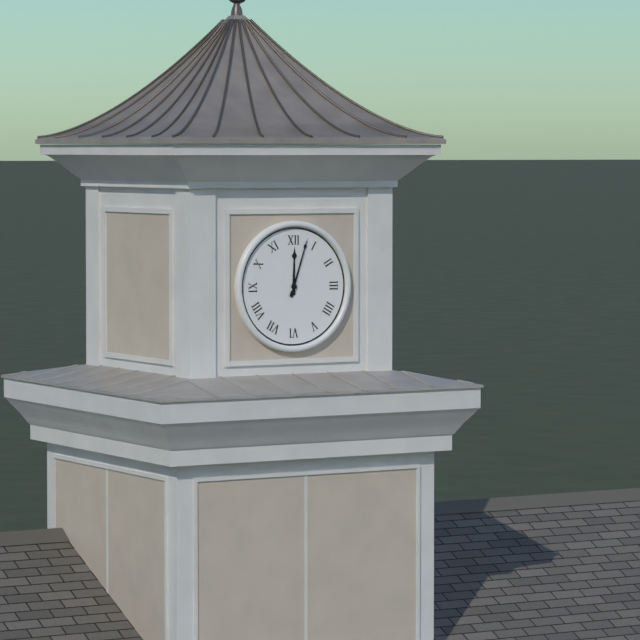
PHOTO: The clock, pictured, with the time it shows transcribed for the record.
12:03
